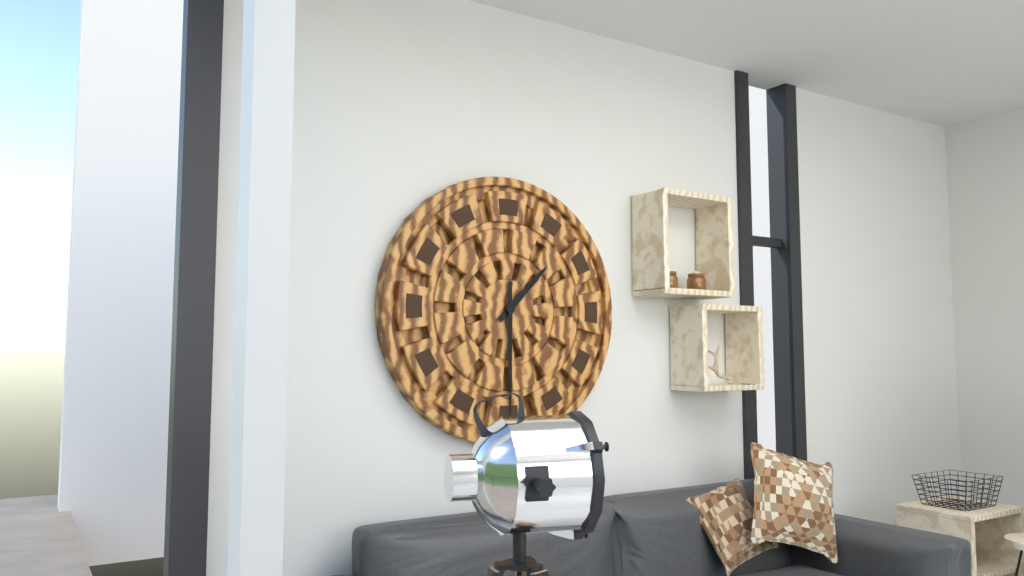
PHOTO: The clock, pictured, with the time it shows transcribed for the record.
1:30
